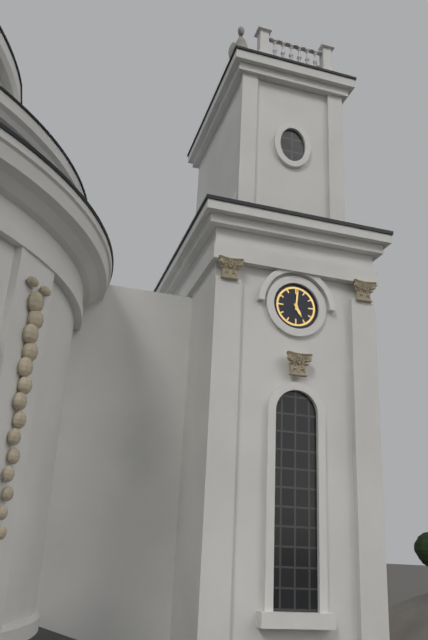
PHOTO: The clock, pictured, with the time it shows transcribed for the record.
5:01
